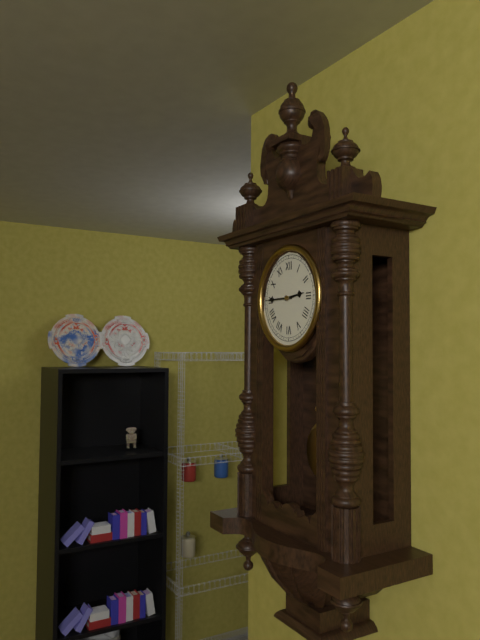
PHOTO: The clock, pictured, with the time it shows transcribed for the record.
2:45
